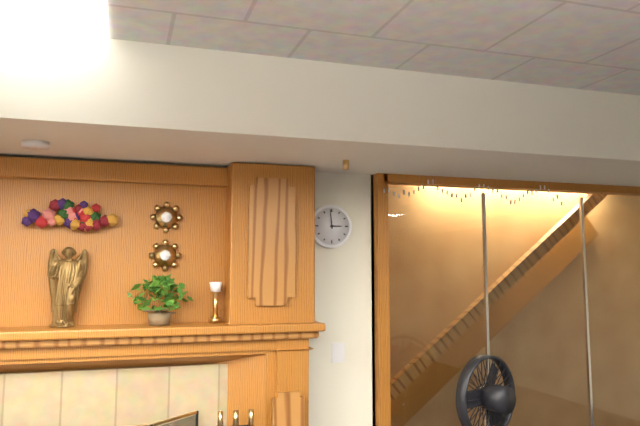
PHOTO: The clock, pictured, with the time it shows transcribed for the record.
2:59
